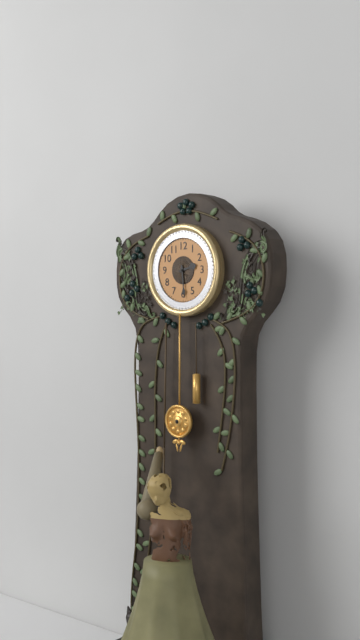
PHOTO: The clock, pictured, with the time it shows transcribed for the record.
2:29
